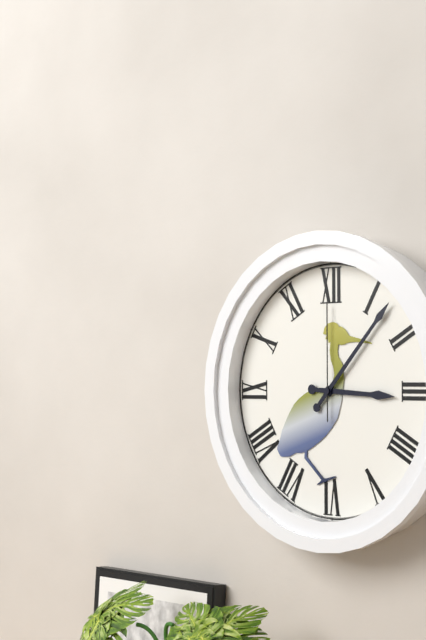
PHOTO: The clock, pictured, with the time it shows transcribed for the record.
3:07:00
